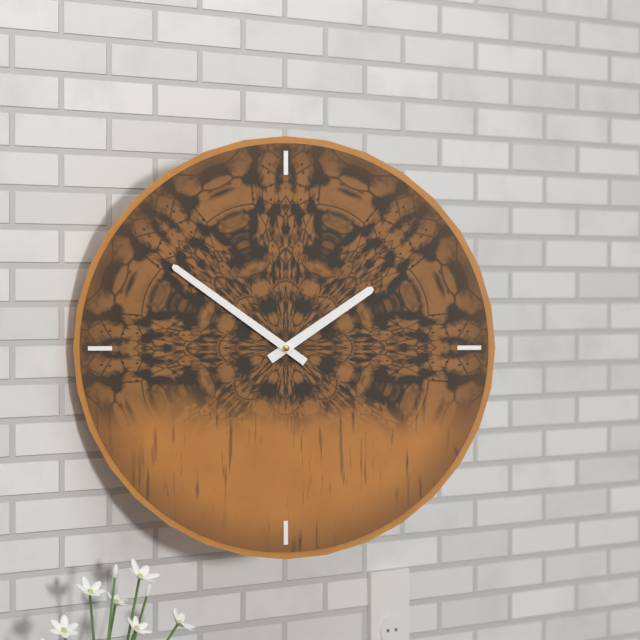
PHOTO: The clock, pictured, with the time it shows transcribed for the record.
1:51
